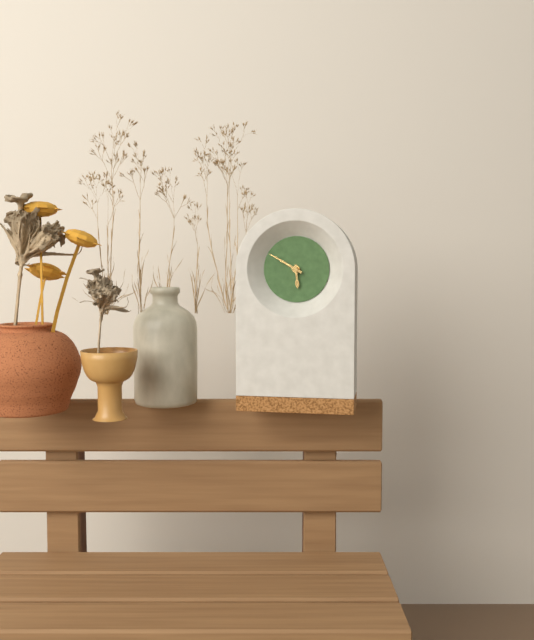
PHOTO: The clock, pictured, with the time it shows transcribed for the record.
5:50
